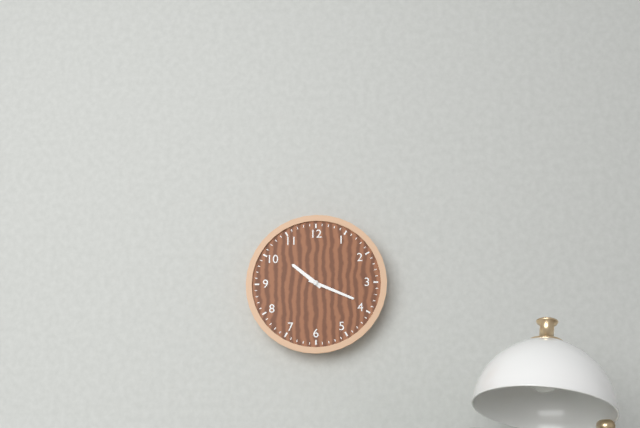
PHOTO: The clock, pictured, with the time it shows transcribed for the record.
10:19
